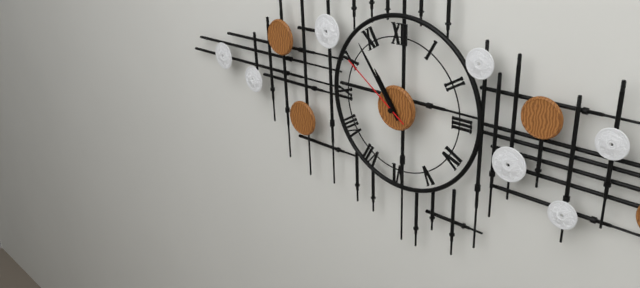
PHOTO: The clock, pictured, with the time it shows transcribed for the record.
10:54:51
